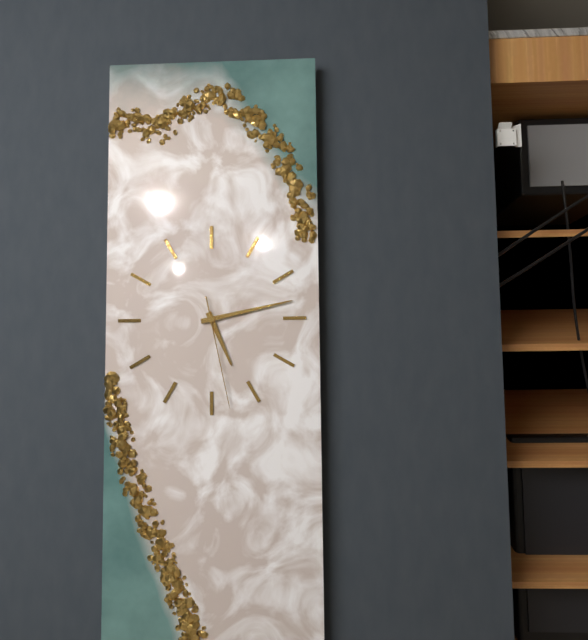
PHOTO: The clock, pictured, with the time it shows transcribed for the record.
5:13:28
